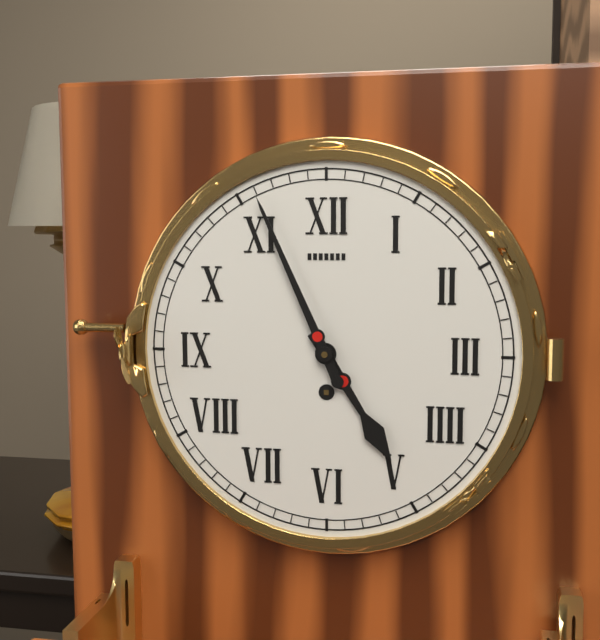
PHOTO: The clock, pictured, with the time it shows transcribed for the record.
4:56
